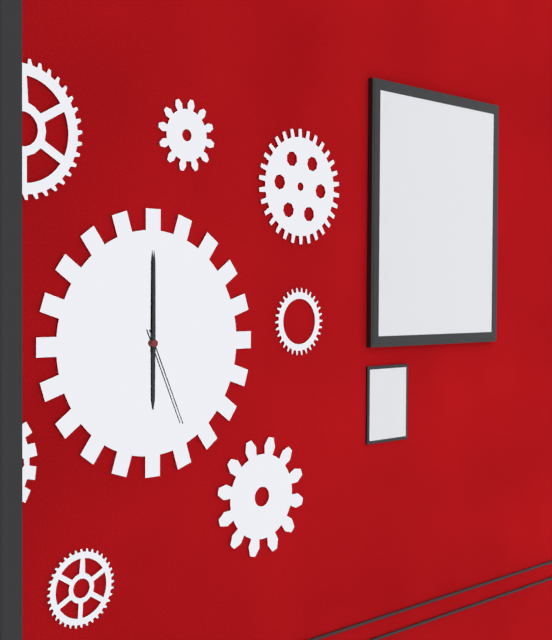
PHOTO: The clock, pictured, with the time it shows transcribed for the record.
6:00:26
